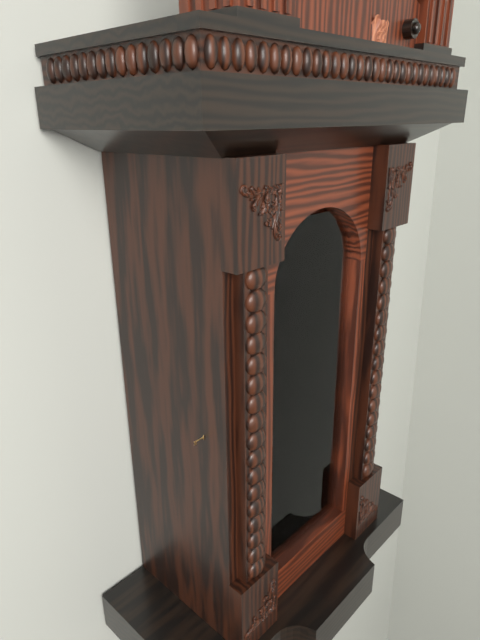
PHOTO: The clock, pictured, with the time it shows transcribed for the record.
3:53
